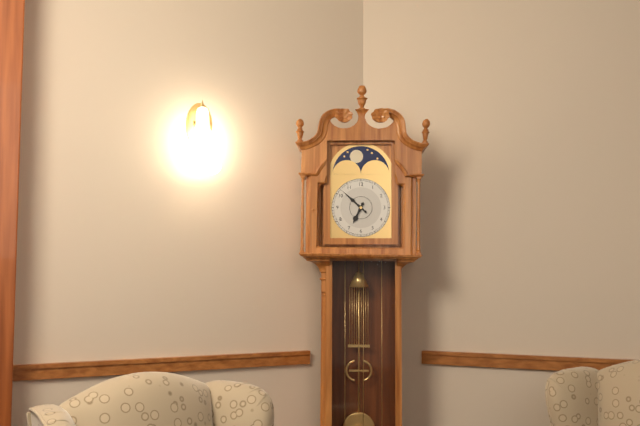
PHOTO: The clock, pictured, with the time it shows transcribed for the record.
6:52
